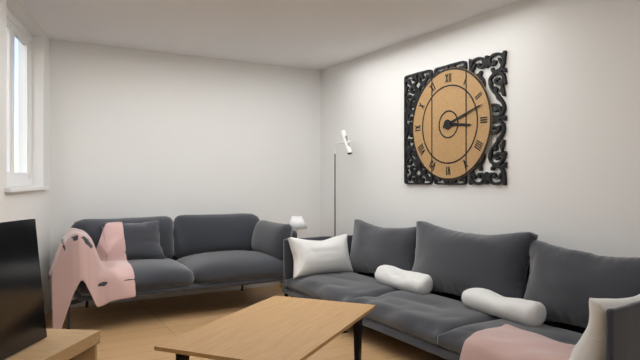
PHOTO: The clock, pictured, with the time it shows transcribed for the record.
3:12
